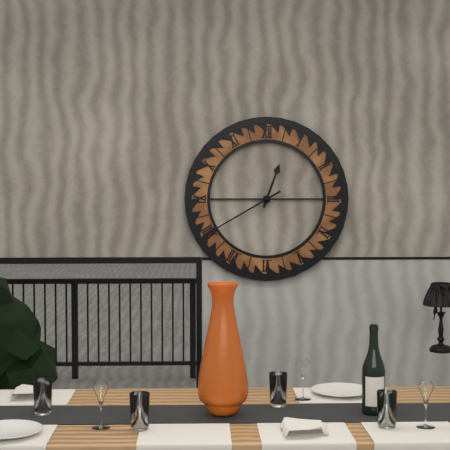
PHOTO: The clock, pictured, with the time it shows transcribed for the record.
12:40
